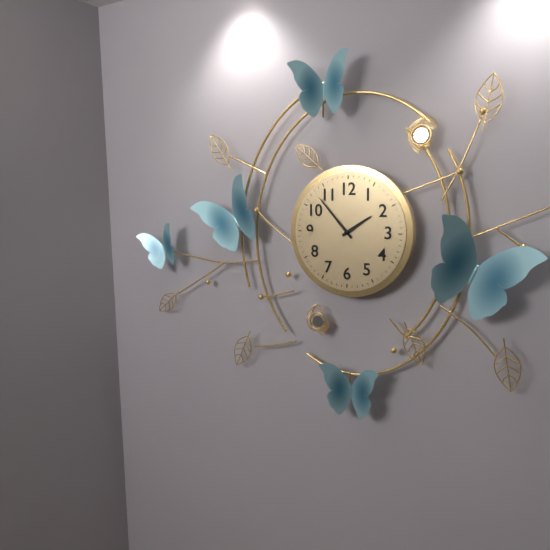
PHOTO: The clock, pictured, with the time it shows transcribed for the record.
1:53
